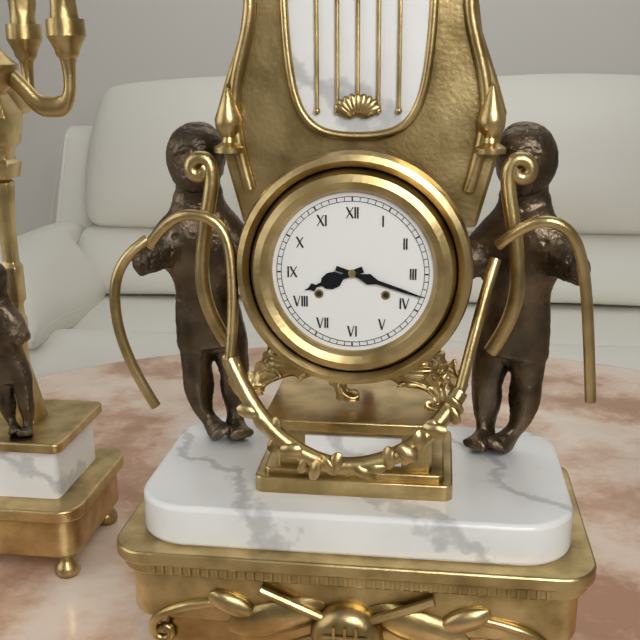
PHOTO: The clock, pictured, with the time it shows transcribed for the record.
8:18
